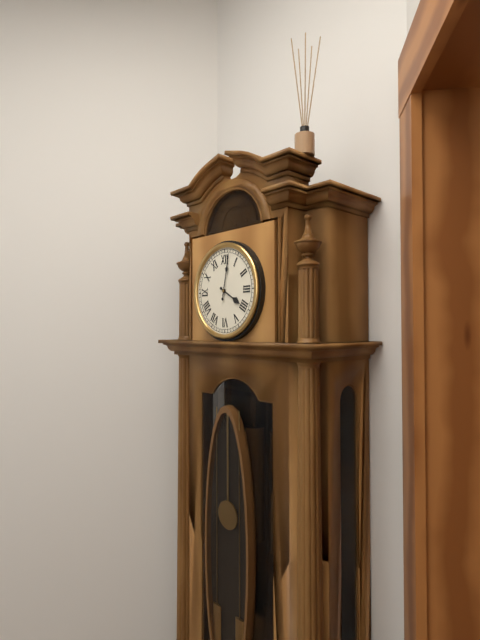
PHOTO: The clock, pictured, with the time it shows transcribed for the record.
4:02
